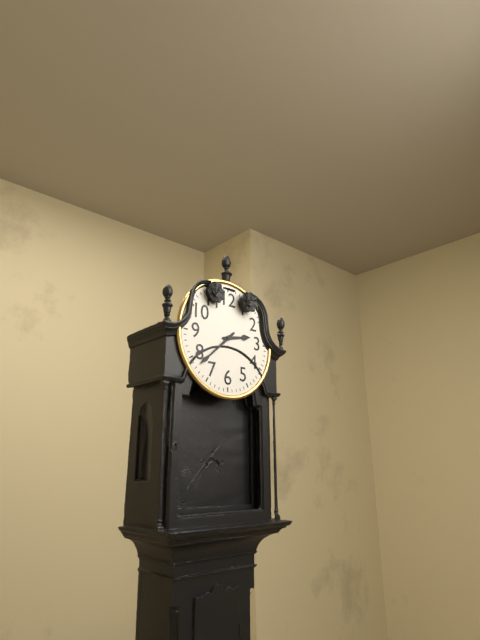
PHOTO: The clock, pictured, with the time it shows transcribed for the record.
2:38
